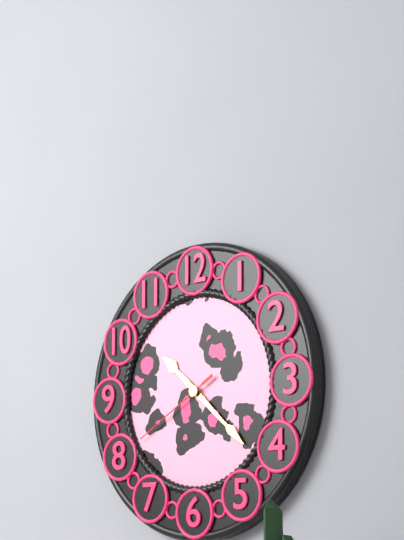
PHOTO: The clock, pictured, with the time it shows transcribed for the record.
10:22:40
